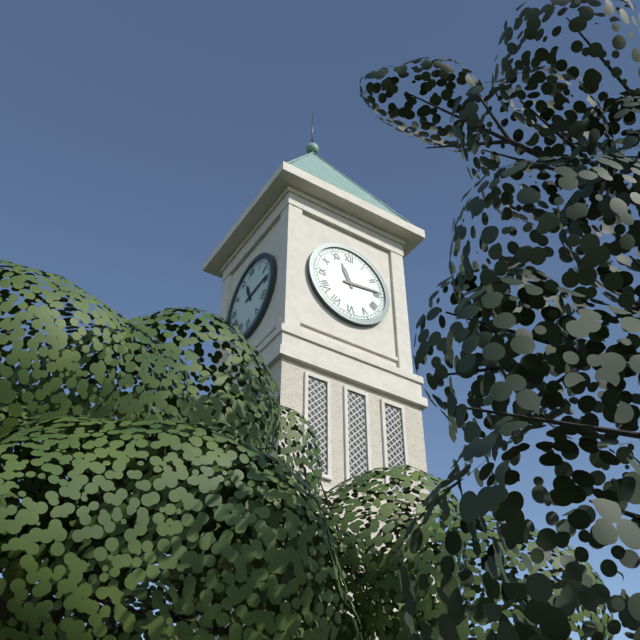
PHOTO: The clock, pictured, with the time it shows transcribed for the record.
11:14
